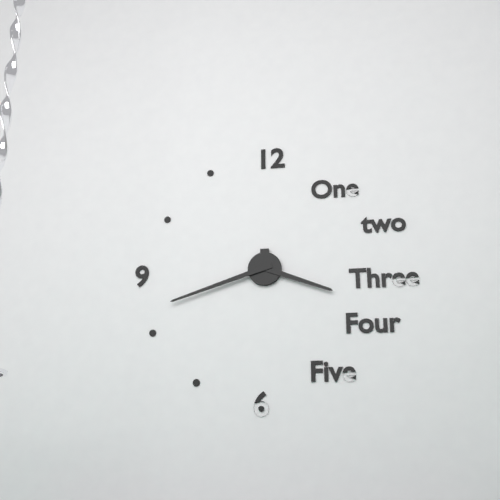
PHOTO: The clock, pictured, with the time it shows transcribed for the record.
3:42
